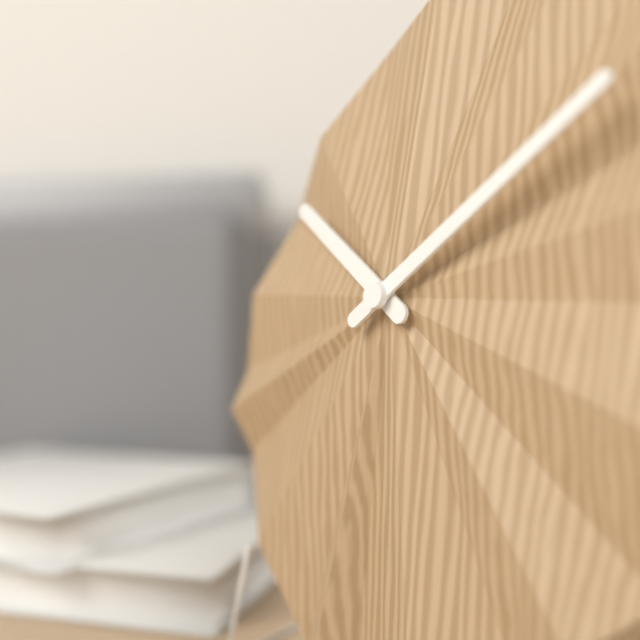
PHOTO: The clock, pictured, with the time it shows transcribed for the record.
10:09
